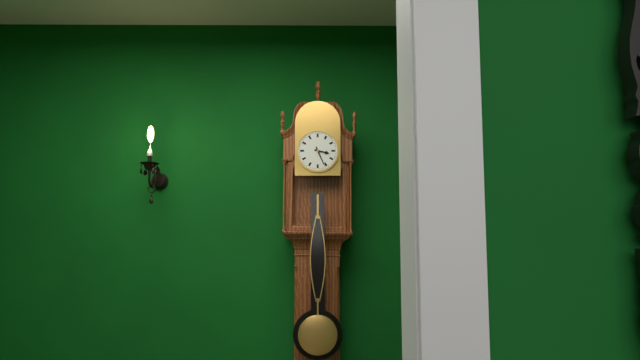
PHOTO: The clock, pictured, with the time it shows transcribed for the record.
3:26
